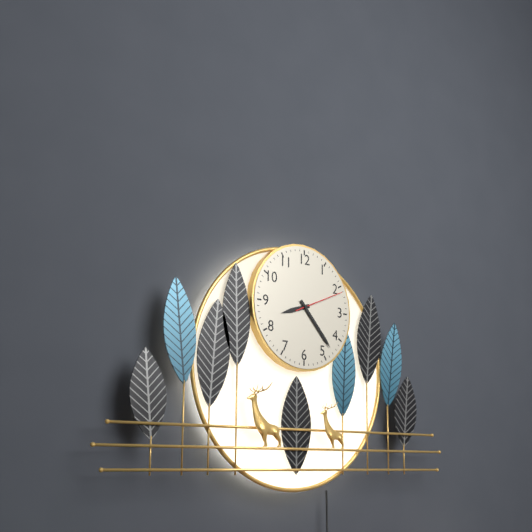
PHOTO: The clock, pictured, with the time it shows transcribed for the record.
8:23
